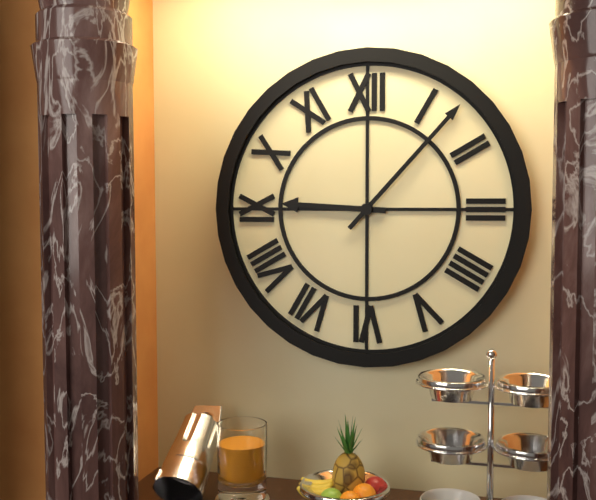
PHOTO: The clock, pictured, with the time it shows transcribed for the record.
9:07
